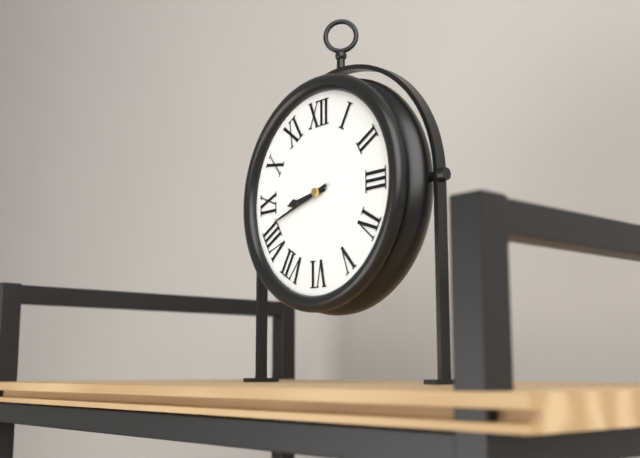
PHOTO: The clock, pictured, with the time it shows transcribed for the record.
8:42
